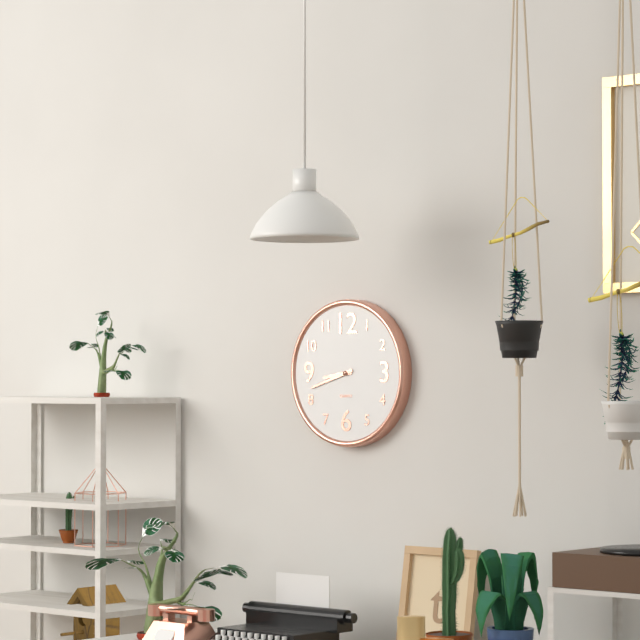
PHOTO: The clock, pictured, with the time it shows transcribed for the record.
8:42
